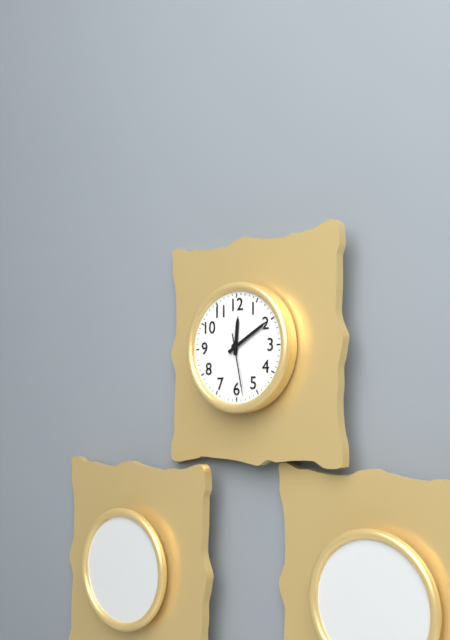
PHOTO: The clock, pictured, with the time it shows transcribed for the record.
12:10:28
